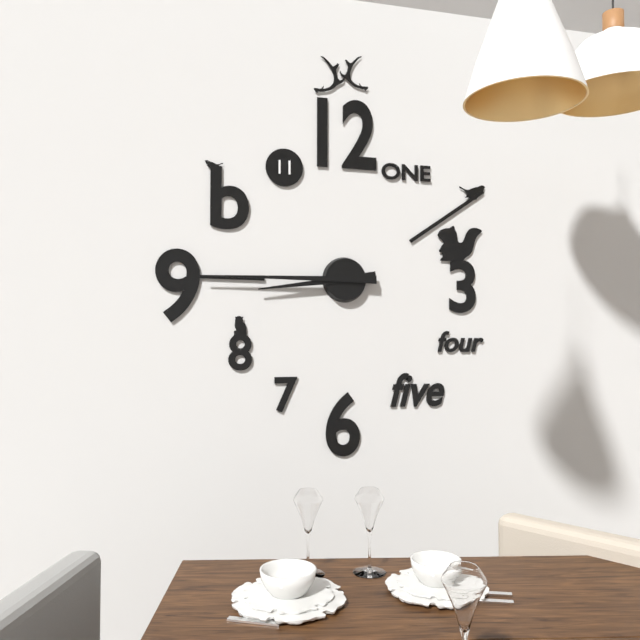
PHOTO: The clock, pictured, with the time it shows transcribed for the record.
8:45
